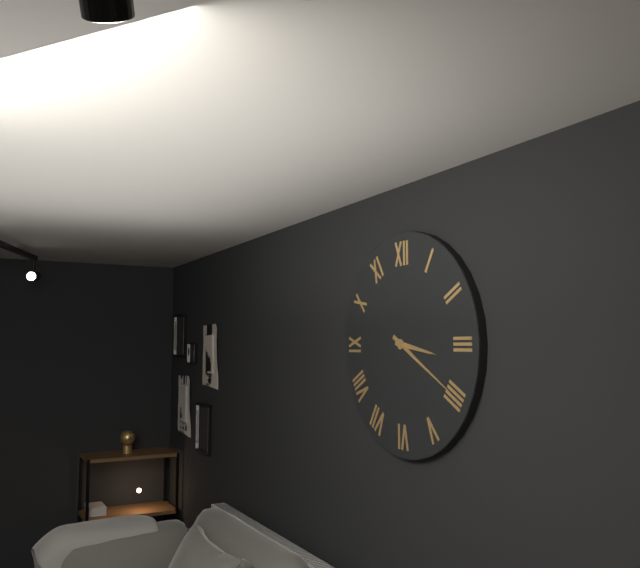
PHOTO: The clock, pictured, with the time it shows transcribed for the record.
3:20
